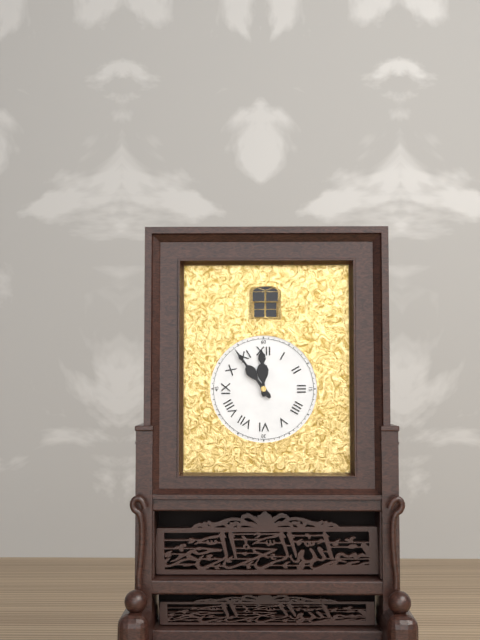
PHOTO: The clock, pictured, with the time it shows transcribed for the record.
11:54
